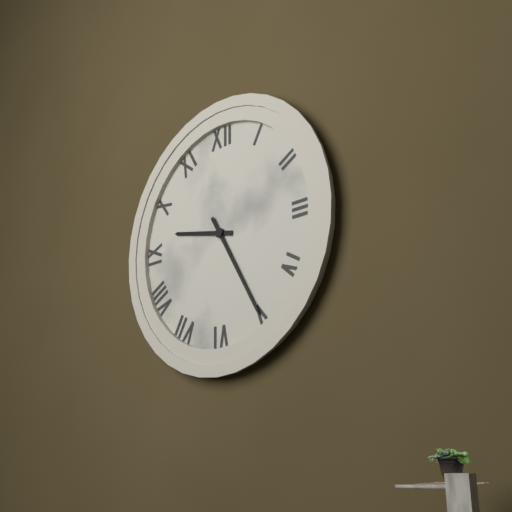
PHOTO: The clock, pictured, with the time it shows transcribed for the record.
9:25
